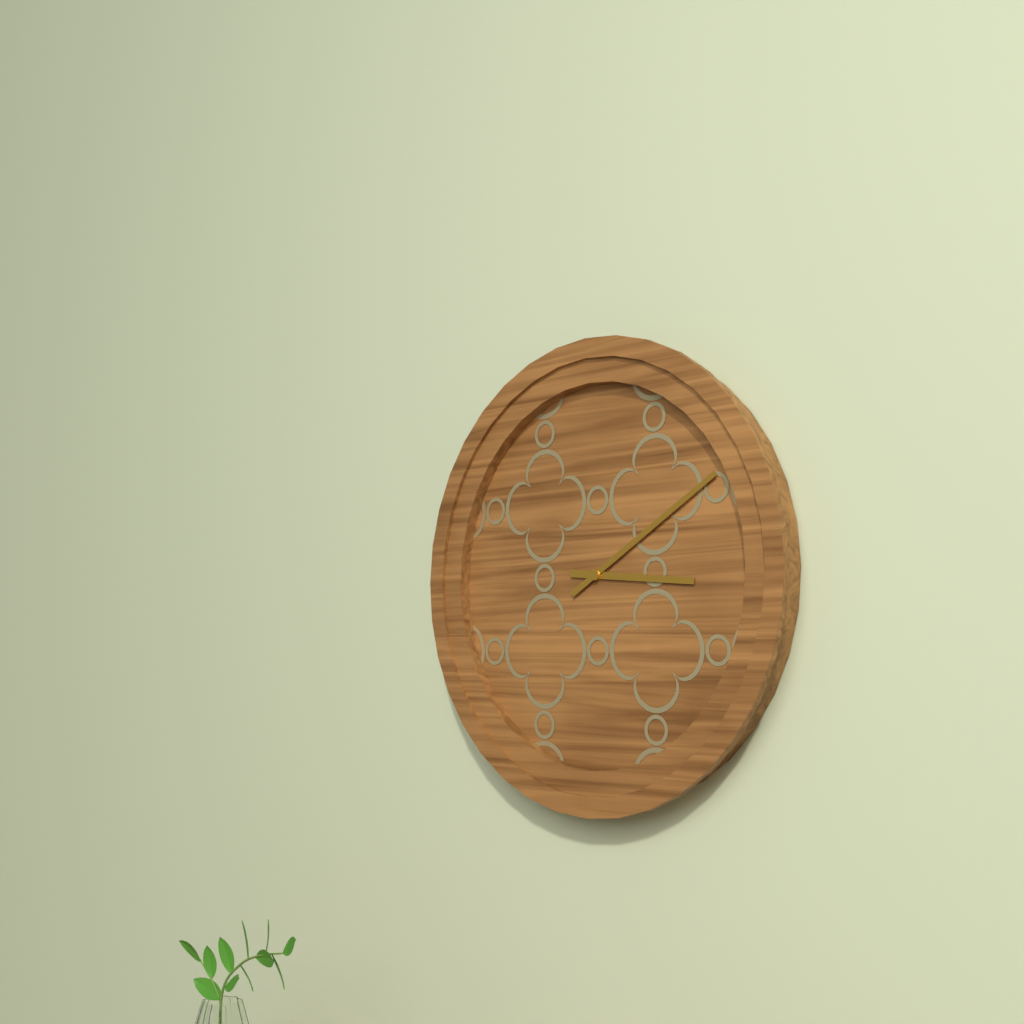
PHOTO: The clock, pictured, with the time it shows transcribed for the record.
3:10
